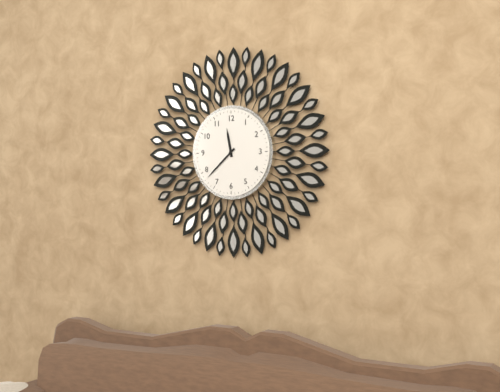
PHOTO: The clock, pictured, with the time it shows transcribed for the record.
11:38
